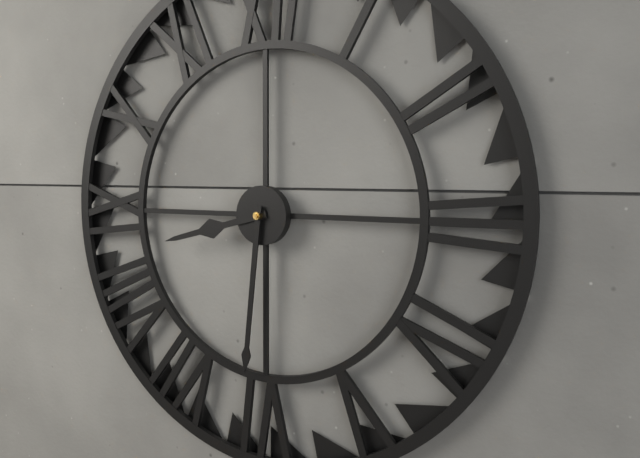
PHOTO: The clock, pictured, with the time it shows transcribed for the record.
8:31
